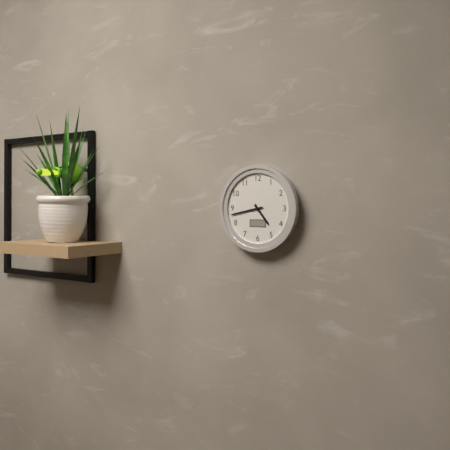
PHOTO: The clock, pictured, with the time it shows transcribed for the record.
4:43
